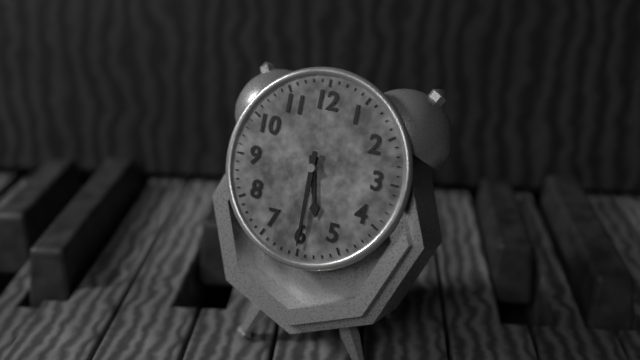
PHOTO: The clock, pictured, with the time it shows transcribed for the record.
5:30
